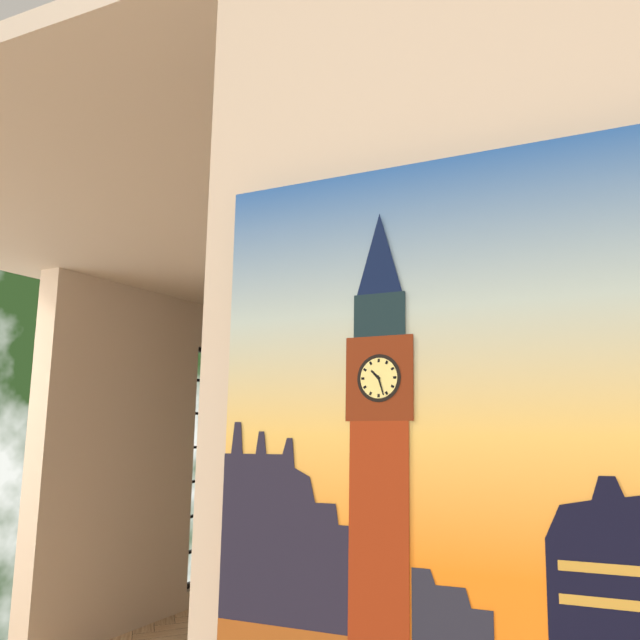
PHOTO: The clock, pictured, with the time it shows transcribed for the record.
10:27
